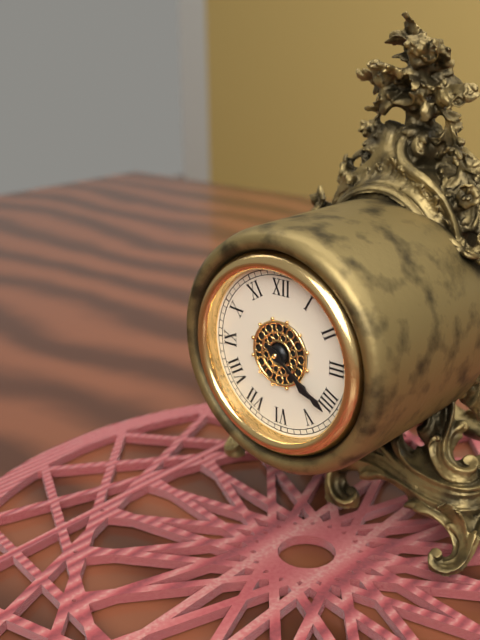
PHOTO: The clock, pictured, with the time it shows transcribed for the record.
4:21
